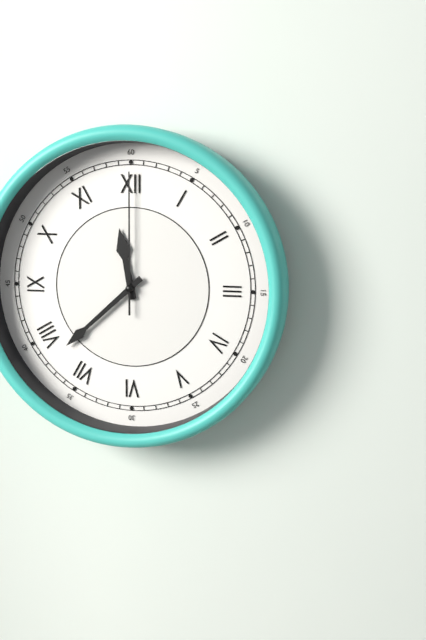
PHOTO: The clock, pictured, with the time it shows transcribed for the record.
11:38:00
